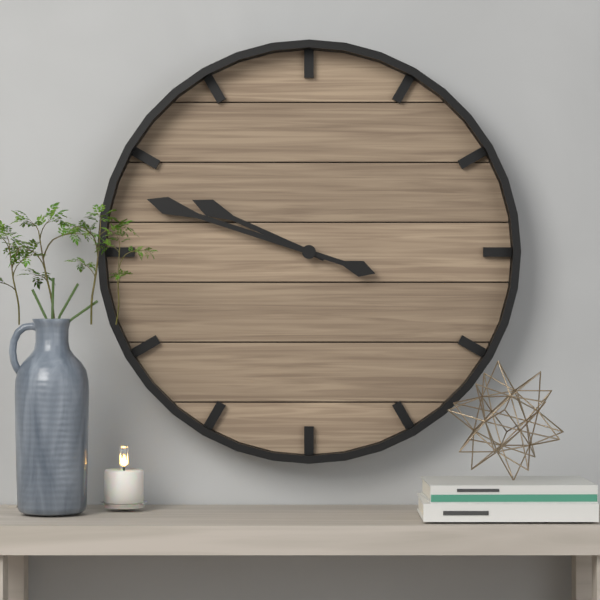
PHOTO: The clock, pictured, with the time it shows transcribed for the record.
9:48
